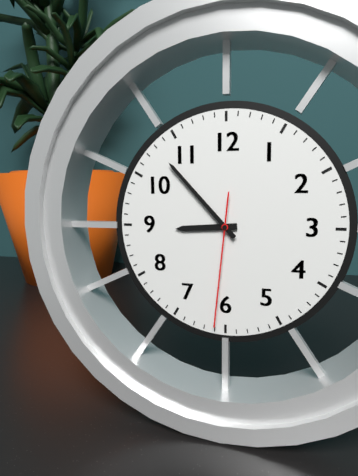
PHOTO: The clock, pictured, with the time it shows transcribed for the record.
8:53:31
